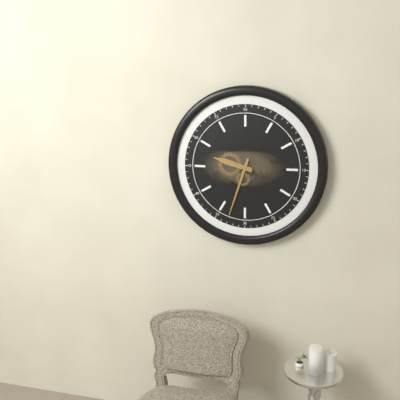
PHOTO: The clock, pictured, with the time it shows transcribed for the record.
9:33
